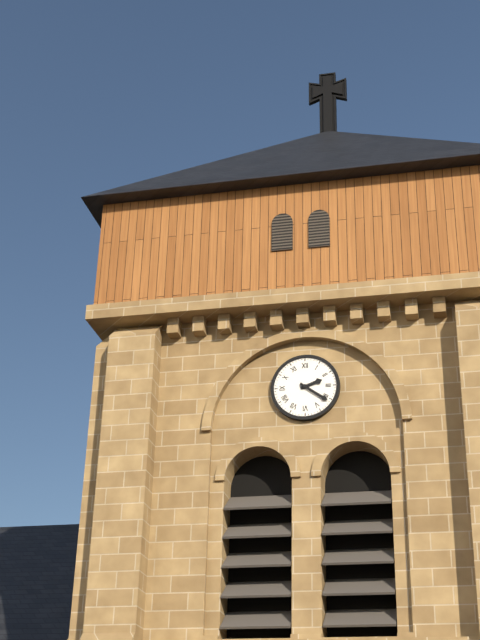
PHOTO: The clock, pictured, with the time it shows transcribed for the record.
2:21
